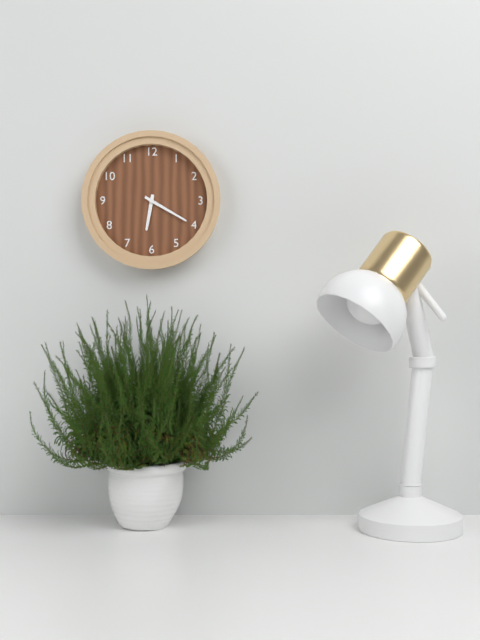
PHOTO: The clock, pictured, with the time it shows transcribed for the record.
6:20
